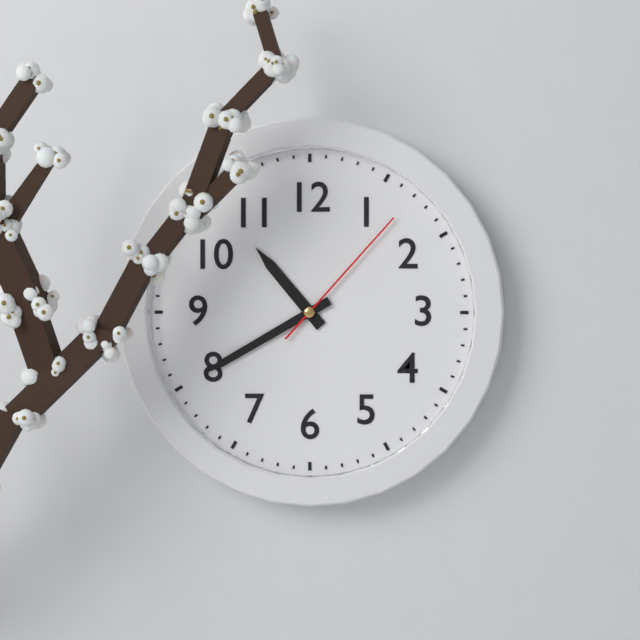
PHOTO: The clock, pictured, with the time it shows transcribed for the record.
10:40:07
